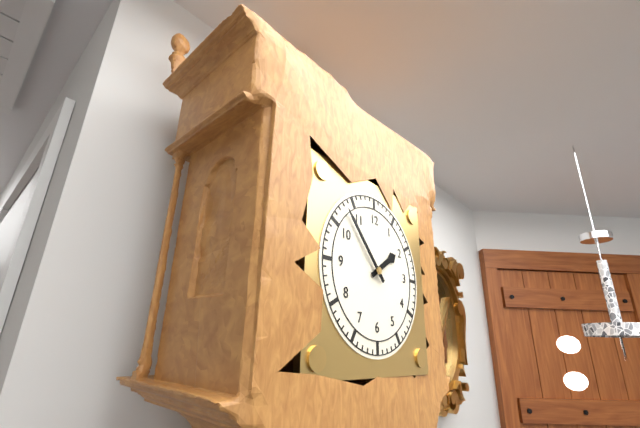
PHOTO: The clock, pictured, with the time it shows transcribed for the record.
1:53
